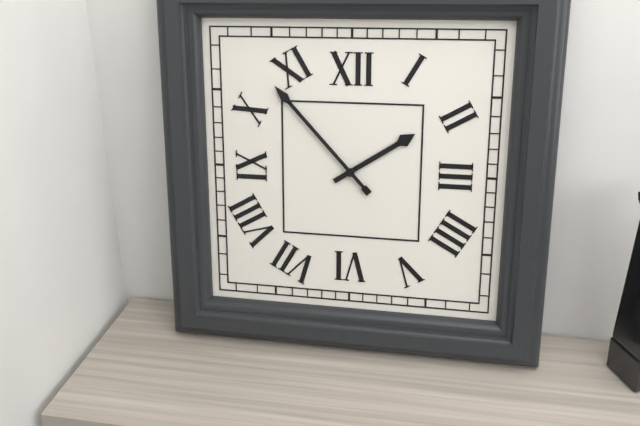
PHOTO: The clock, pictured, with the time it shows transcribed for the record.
1:53
